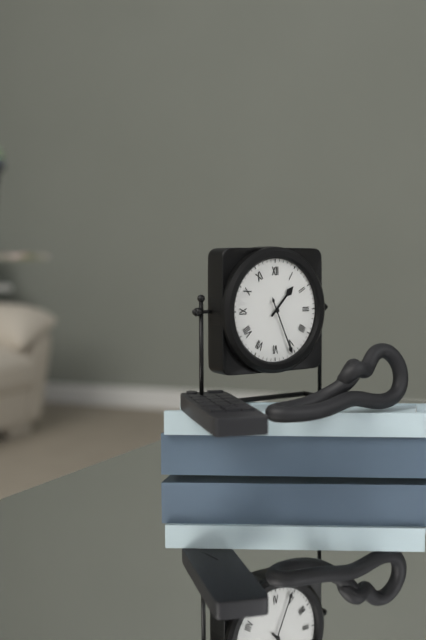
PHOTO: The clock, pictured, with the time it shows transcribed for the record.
1:26
